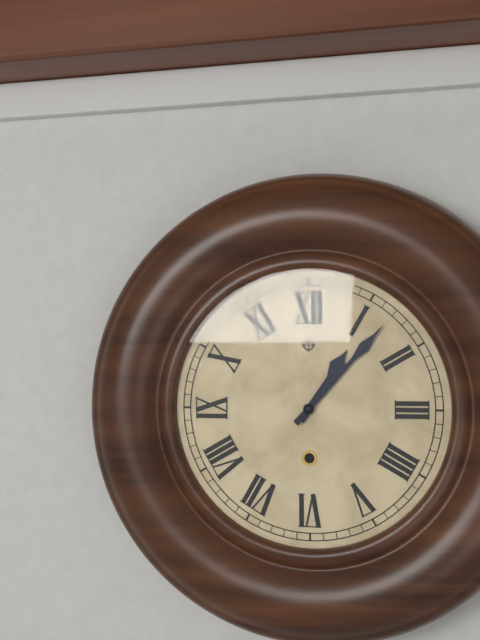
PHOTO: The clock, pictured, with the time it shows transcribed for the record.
1:07
